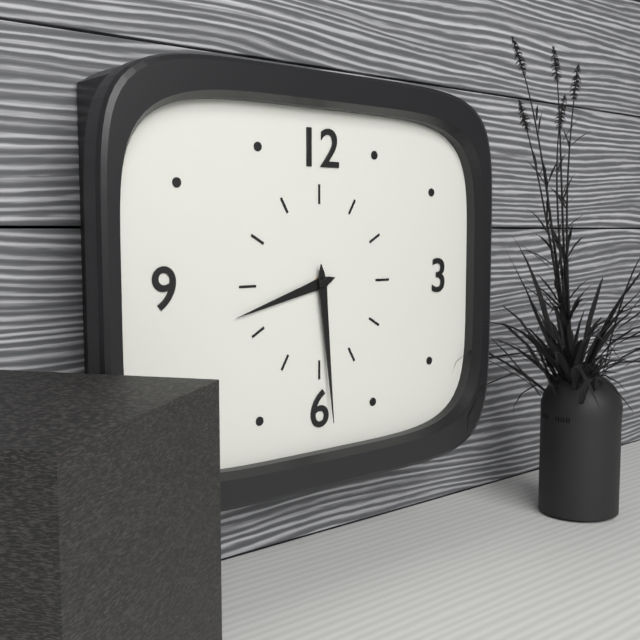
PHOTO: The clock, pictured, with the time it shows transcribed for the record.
8:29
